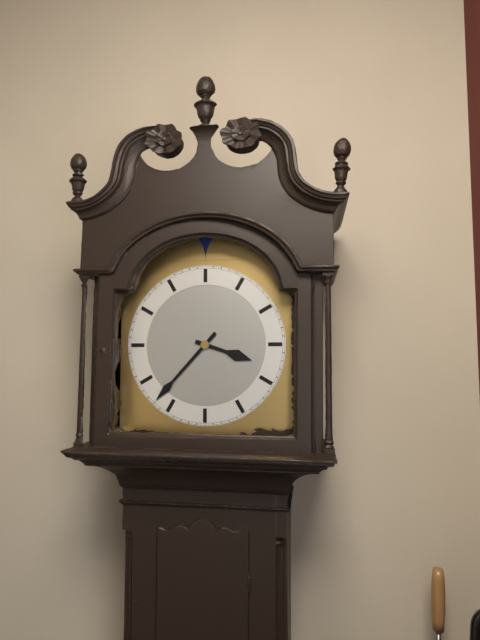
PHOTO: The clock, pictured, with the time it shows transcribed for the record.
3:37
